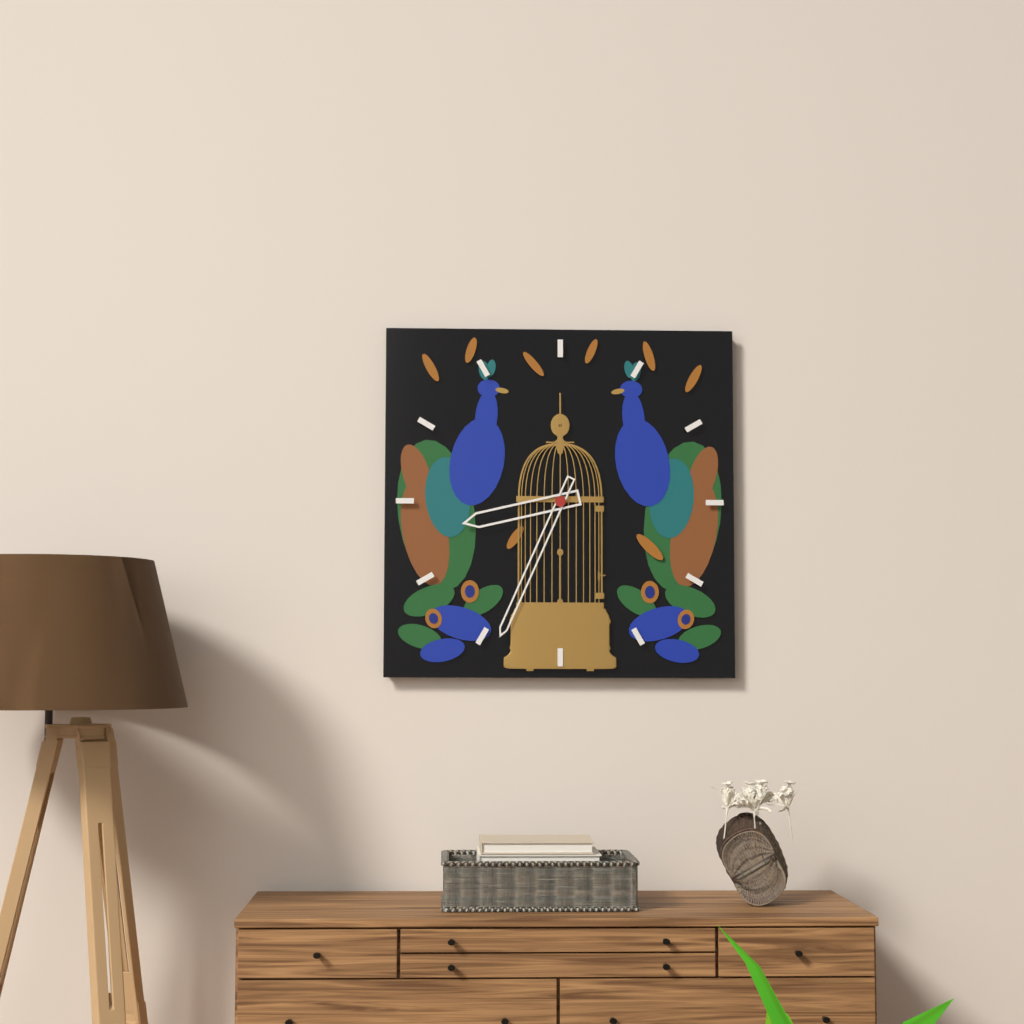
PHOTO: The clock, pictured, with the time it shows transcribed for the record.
8:34
